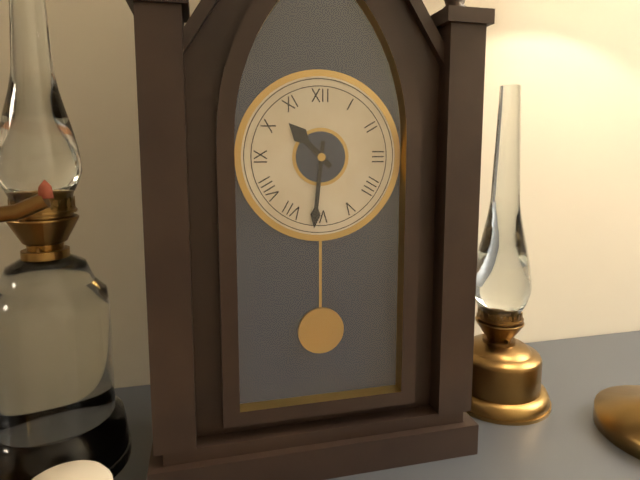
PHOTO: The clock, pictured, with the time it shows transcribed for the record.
10:31
